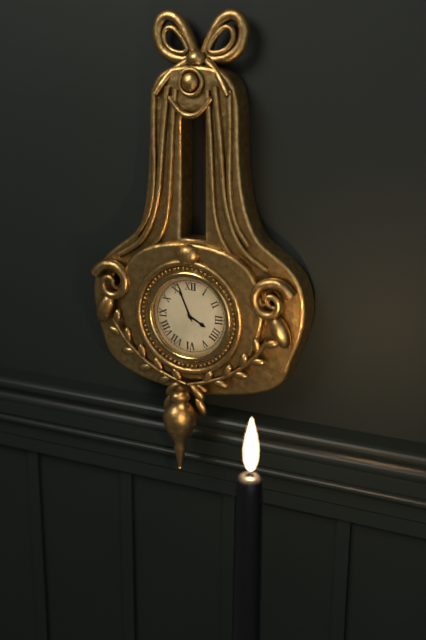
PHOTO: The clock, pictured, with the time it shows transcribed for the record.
3:56
